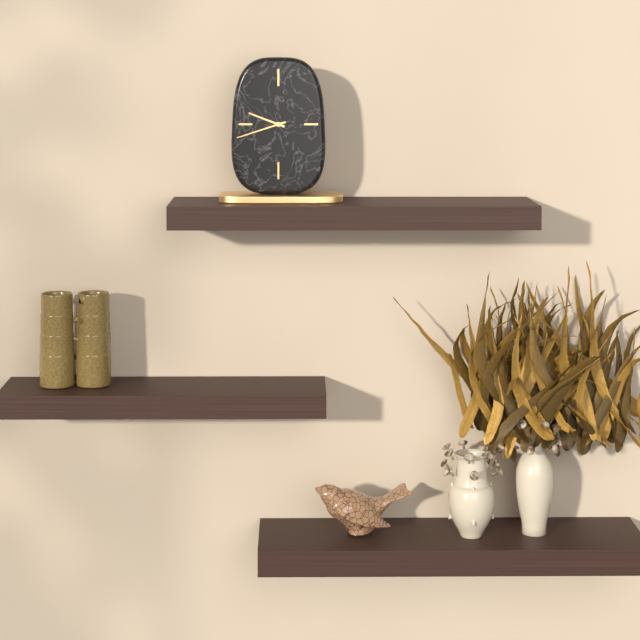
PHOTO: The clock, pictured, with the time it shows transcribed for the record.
9:42
